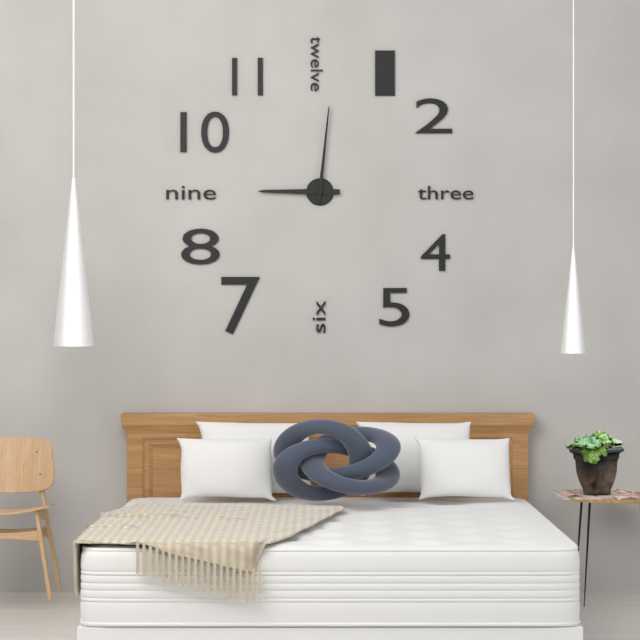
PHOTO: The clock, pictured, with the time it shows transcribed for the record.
9:01
